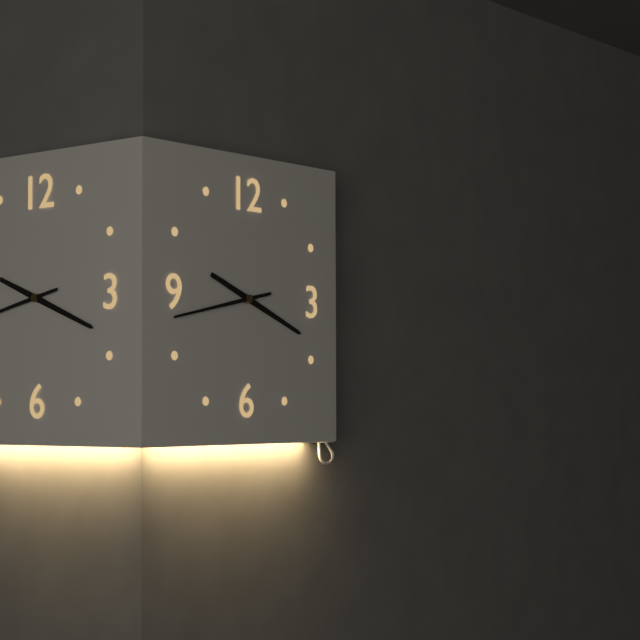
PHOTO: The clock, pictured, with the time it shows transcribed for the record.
3:43
